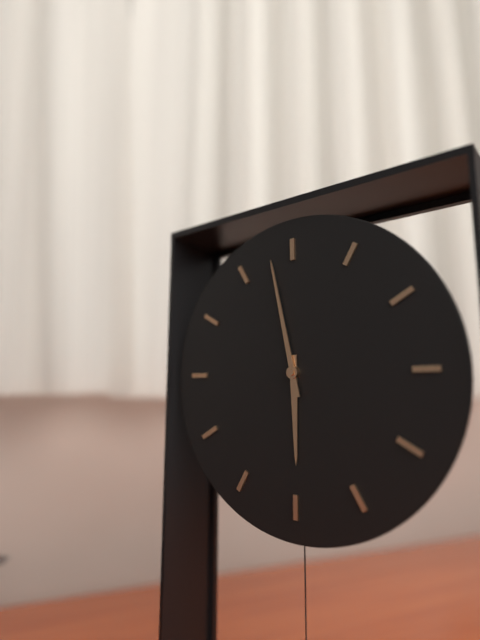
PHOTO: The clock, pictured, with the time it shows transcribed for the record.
5:58
